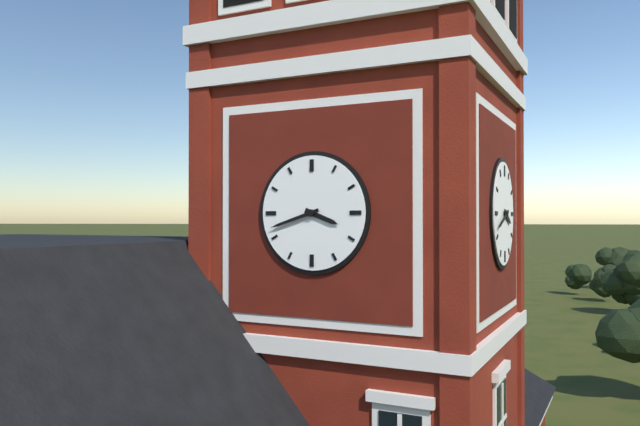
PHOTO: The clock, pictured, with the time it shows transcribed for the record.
3:42
